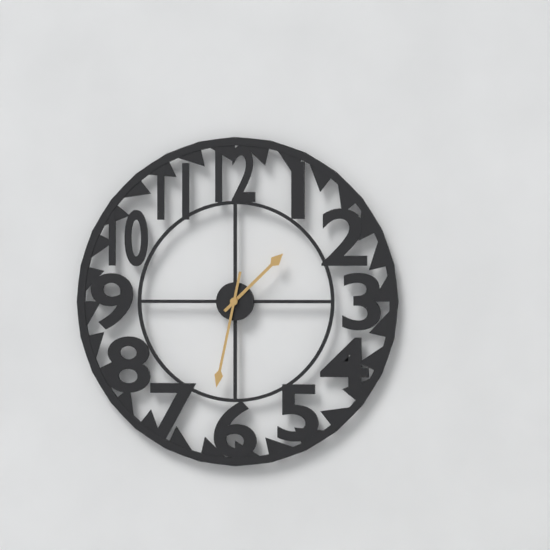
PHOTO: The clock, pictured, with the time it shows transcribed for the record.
1:32
